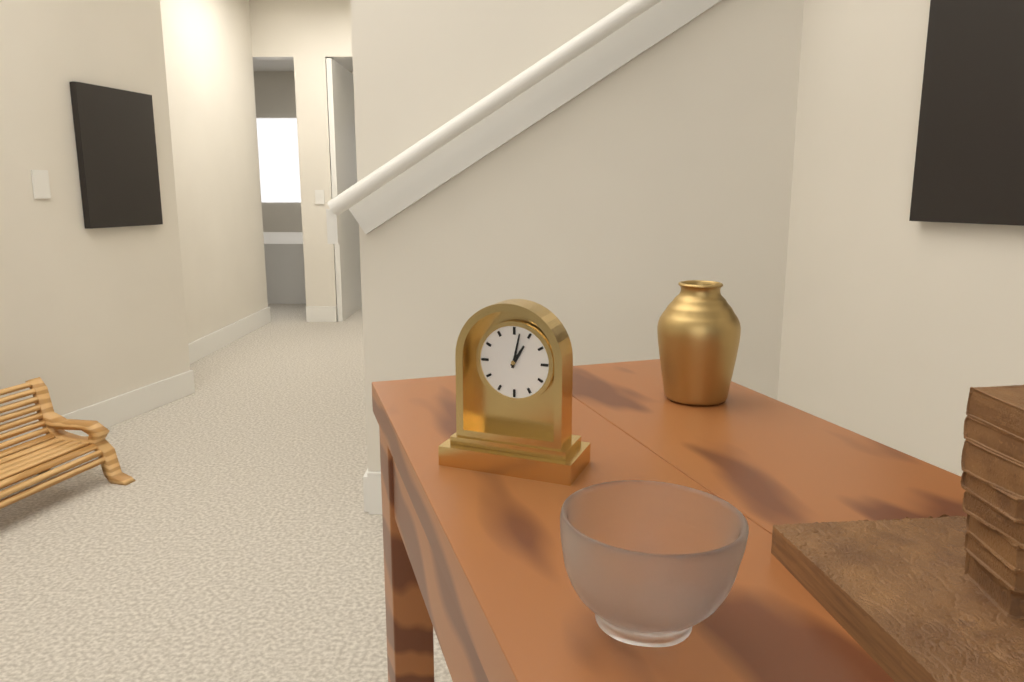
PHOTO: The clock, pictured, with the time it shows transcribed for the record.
1:02
